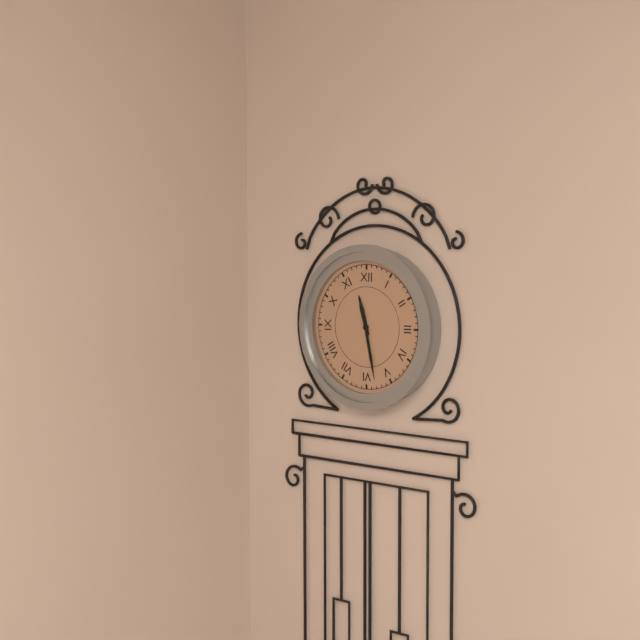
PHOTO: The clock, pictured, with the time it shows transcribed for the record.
11:28
